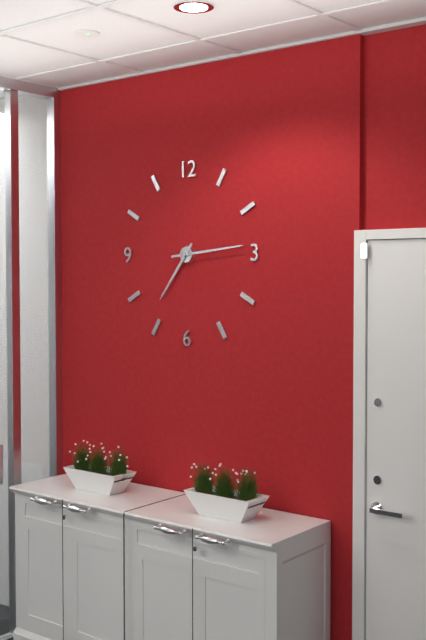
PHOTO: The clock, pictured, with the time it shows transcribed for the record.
7:14
